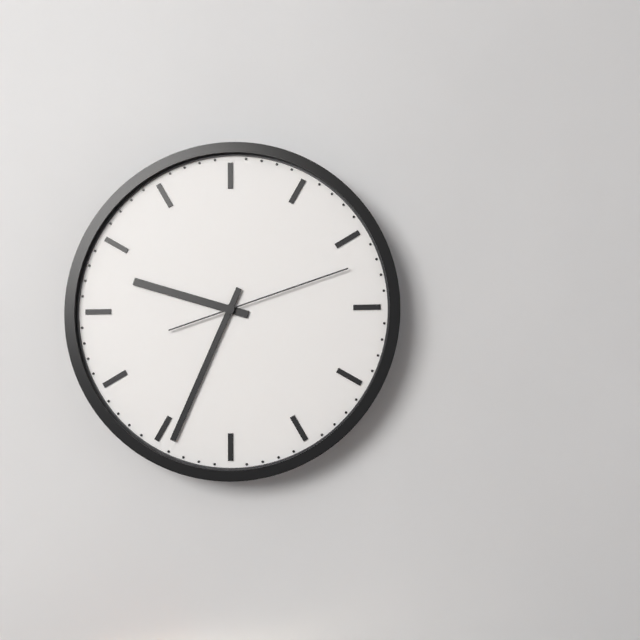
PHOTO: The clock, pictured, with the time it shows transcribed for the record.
9:34:12
